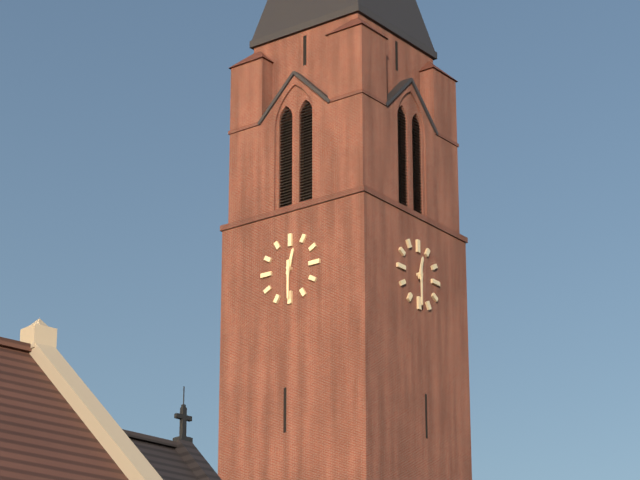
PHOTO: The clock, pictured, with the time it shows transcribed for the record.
12:30
